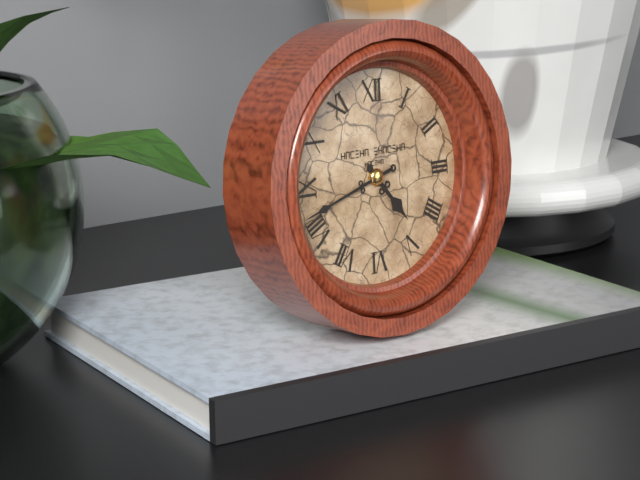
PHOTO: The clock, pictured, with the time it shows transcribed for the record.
4:42
